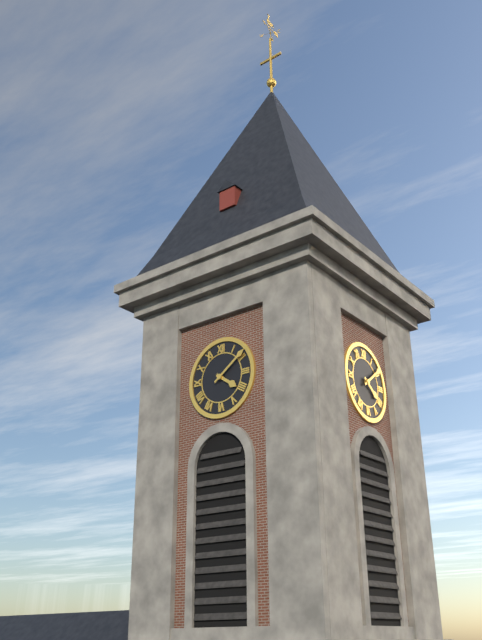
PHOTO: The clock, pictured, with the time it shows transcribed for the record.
4:09
